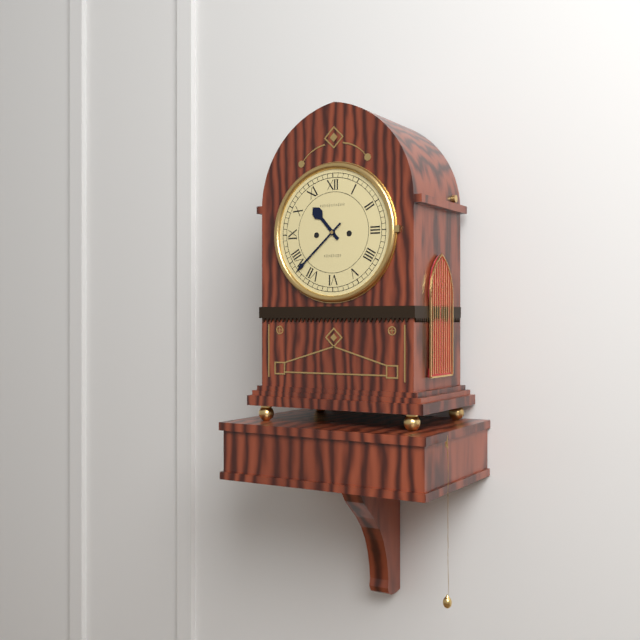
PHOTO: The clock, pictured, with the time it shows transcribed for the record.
10:38
